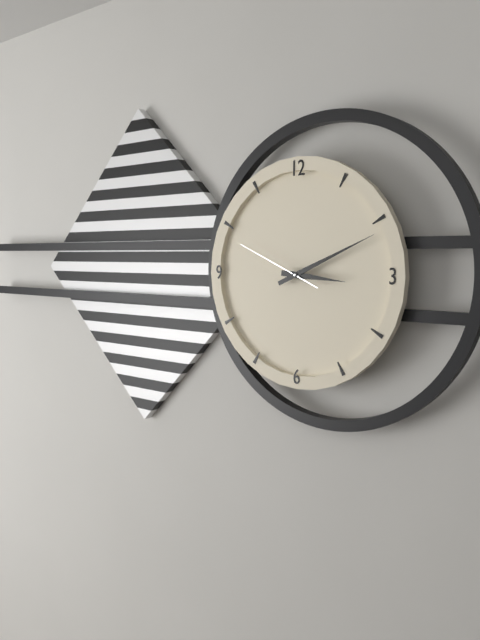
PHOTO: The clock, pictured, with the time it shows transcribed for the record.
3:11:49
